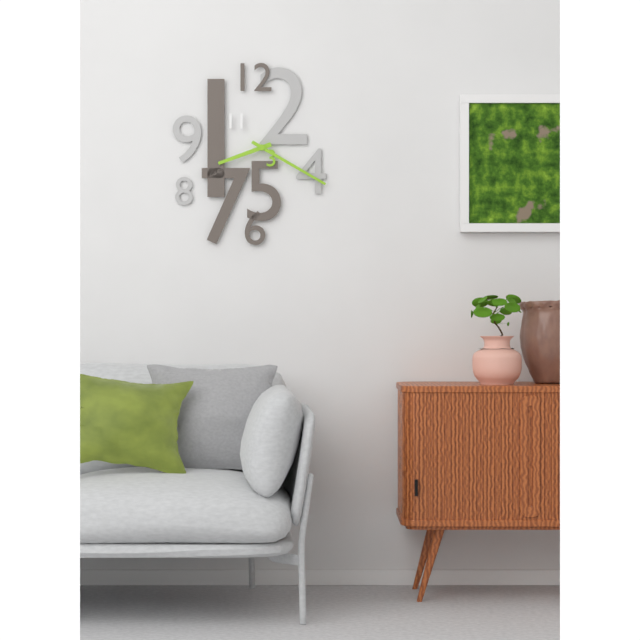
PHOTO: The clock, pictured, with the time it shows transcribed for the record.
8:20
